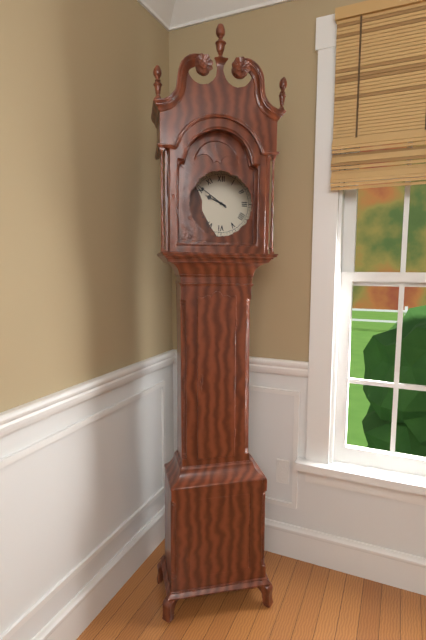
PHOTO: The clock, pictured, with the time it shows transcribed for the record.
9:51
